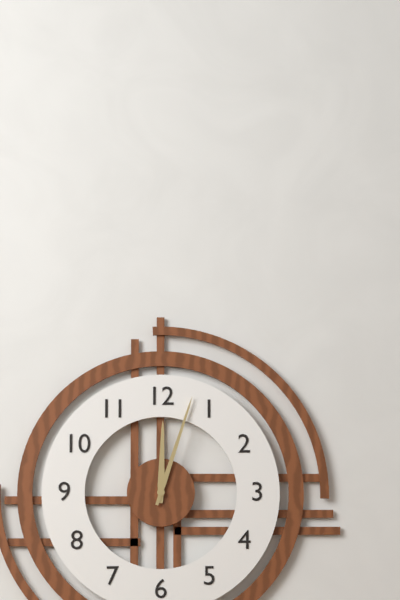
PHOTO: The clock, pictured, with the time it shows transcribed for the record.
12:03
